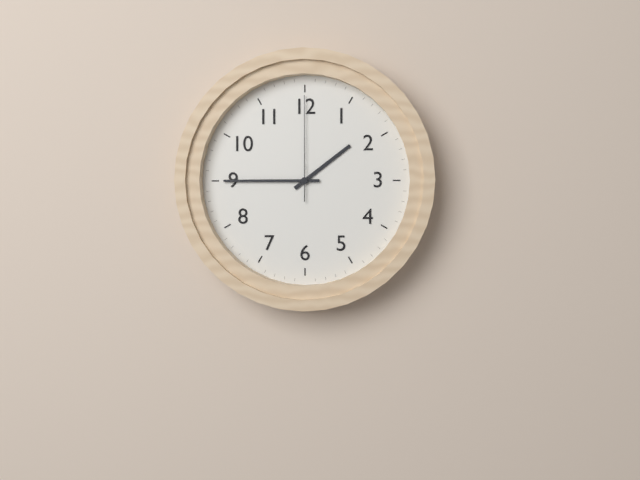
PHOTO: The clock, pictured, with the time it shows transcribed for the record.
1:45:00
